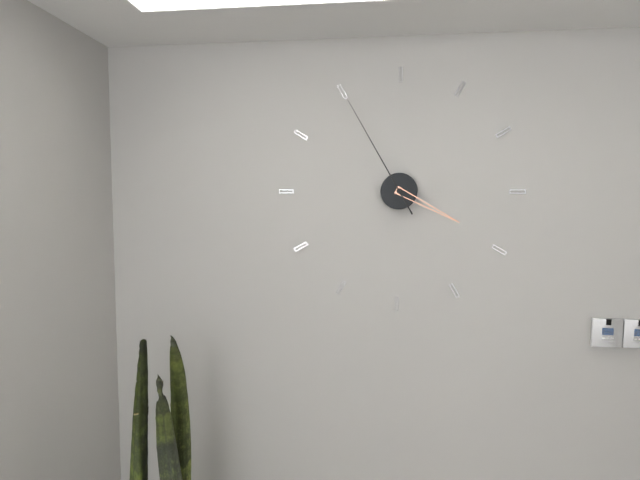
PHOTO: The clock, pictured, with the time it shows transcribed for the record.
3:55
